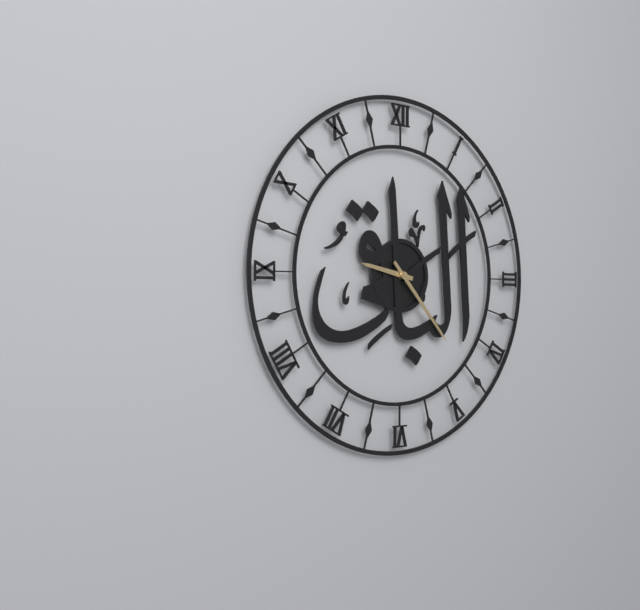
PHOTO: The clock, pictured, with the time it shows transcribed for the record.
9:23
